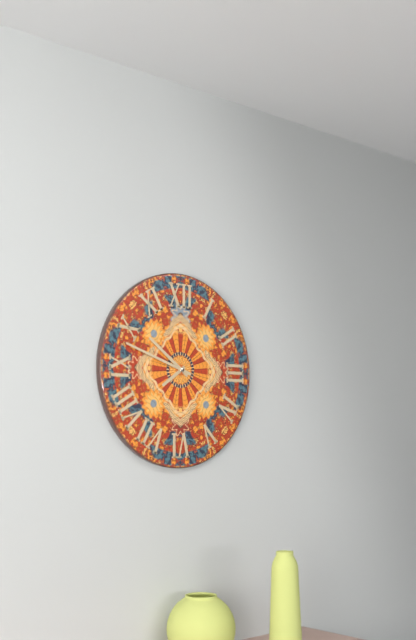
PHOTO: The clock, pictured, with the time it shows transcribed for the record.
7:51:48
